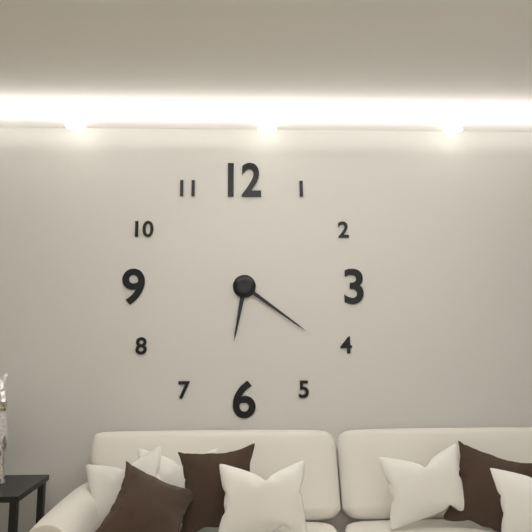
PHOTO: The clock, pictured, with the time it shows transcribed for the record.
6:21
